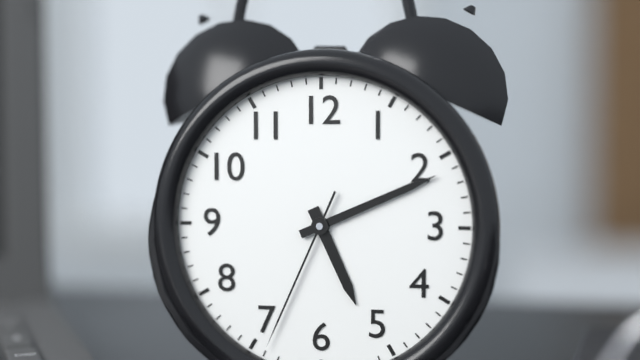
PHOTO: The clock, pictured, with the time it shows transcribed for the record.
5:11:34
